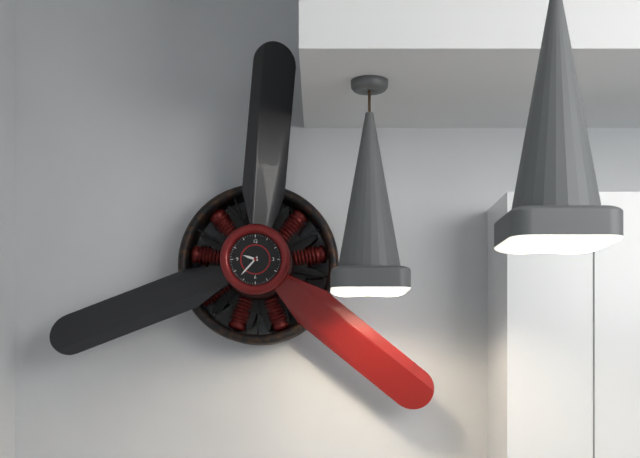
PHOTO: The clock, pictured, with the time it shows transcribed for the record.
9:37
